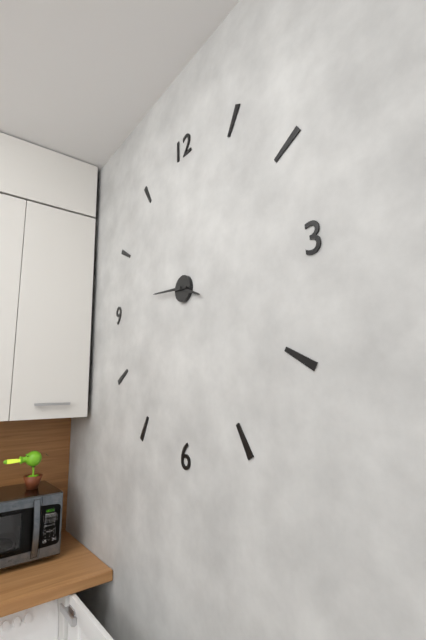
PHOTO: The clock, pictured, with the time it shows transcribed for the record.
3:46
